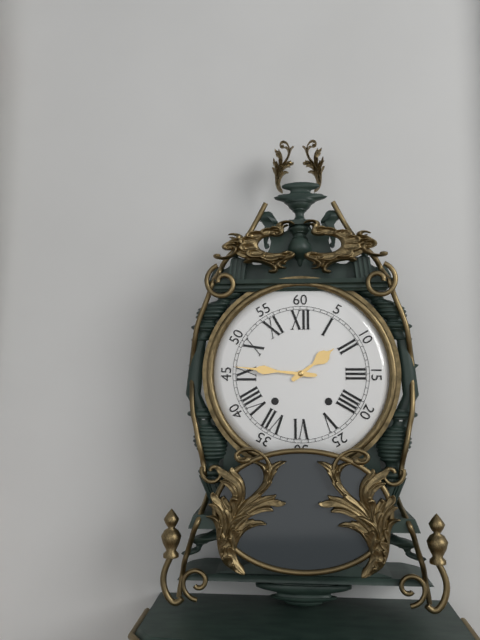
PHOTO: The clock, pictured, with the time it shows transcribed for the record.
1:46
